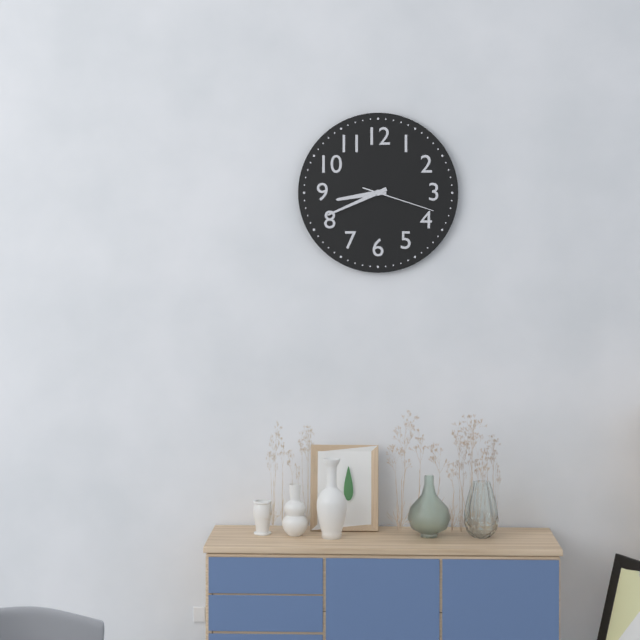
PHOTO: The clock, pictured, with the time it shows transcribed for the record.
8:41:18
